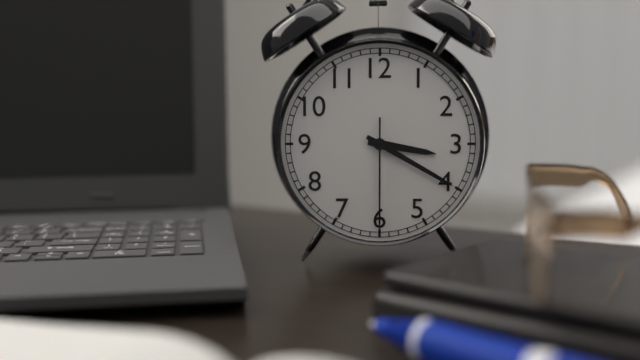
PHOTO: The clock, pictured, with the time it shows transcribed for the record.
3:20:30
